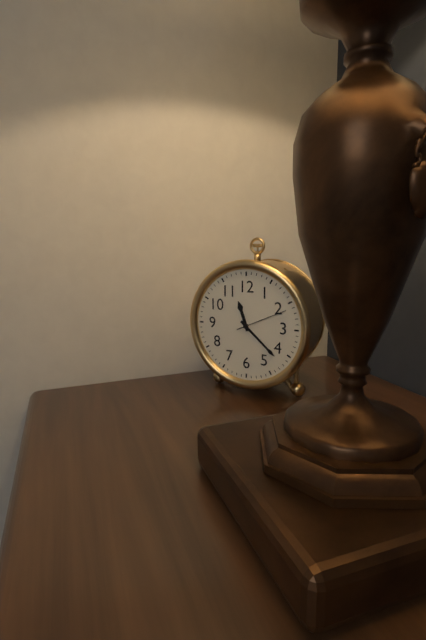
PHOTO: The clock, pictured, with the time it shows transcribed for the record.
11:22:11
